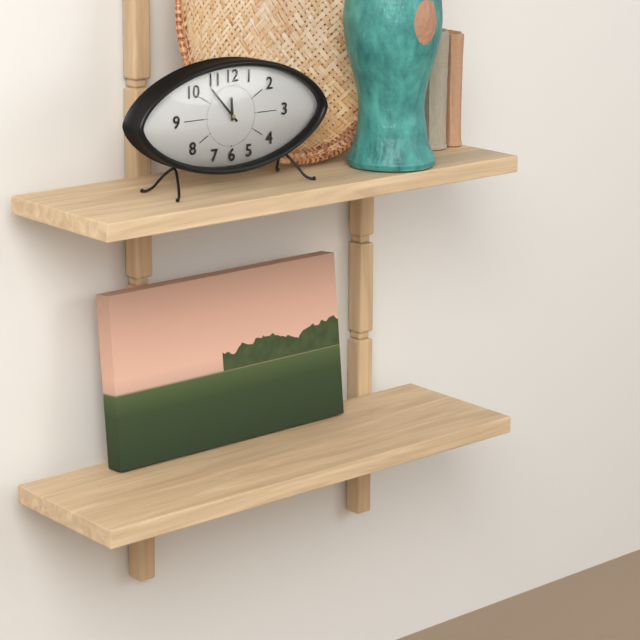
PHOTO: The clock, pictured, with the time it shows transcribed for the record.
11:53
